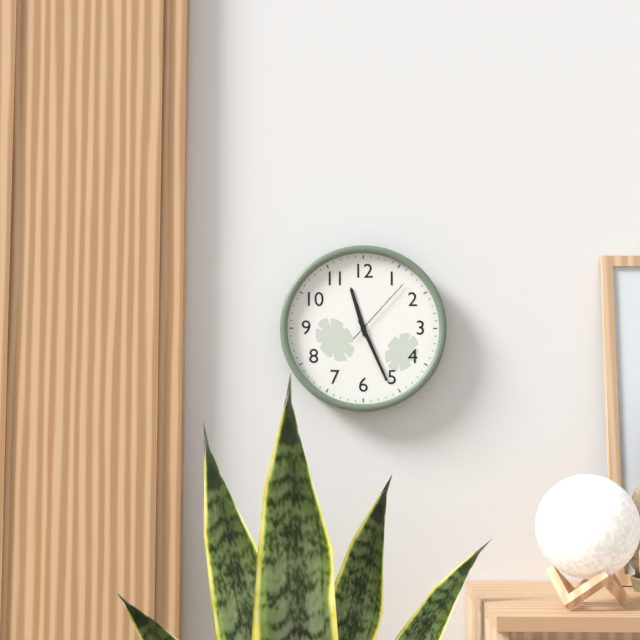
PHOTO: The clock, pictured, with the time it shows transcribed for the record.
11:26:07
